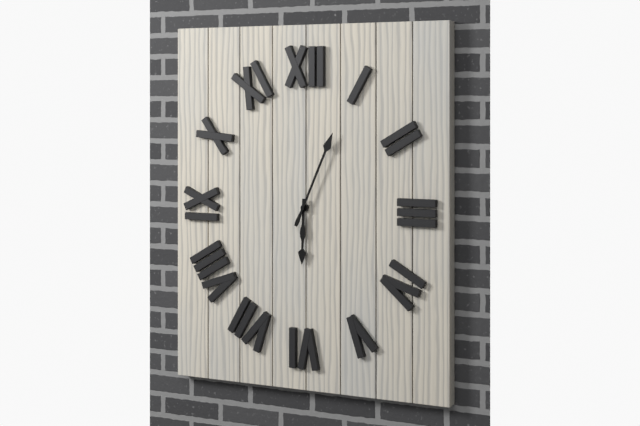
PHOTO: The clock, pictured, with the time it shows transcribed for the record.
6:04
